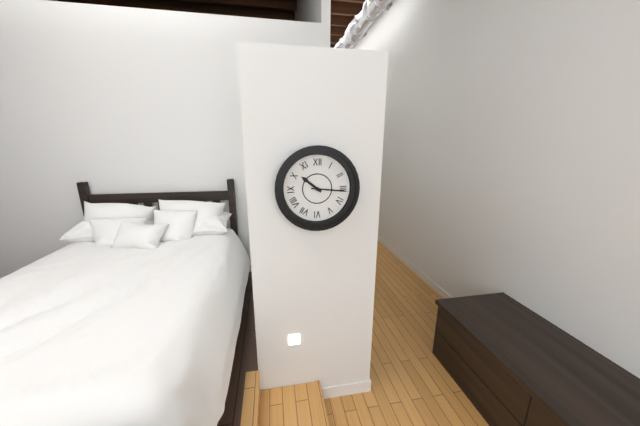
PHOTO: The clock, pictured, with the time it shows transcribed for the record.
10:16
